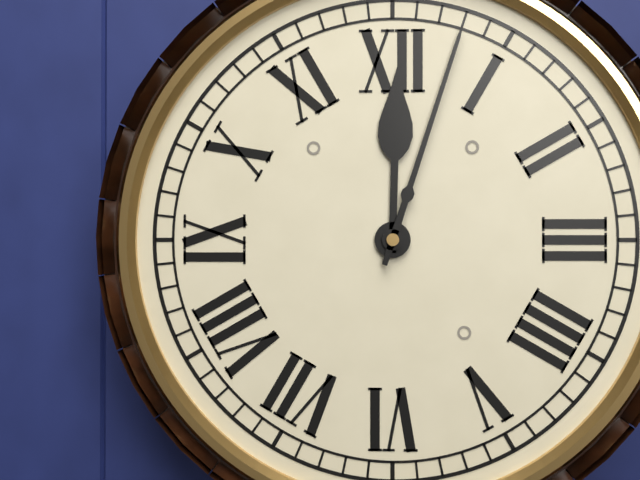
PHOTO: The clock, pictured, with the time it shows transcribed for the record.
12:03
